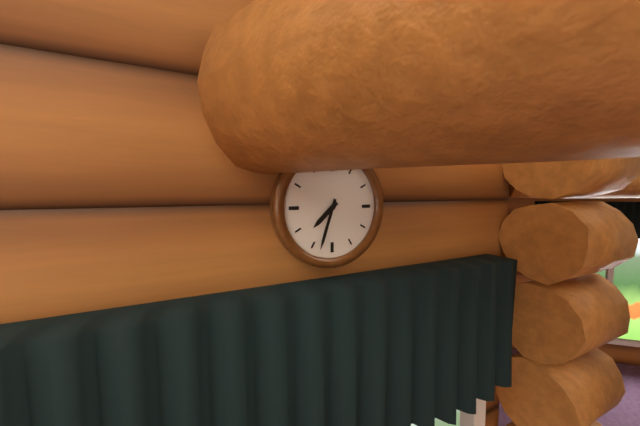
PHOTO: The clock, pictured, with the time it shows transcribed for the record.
7:33
